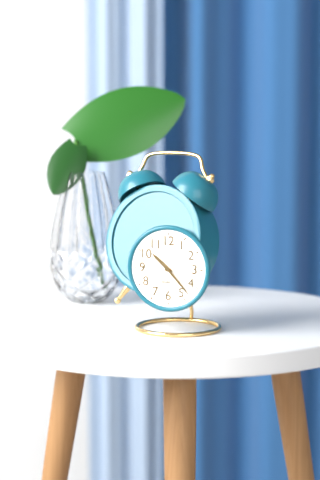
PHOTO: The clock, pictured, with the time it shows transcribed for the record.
10:23
